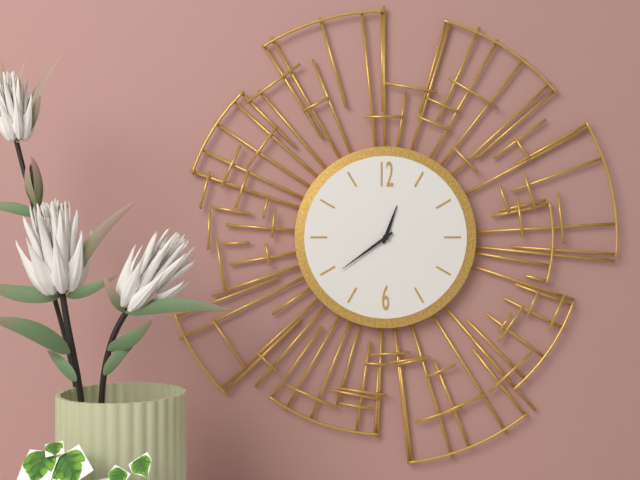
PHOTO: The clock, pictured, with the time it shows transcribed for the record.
12:39
